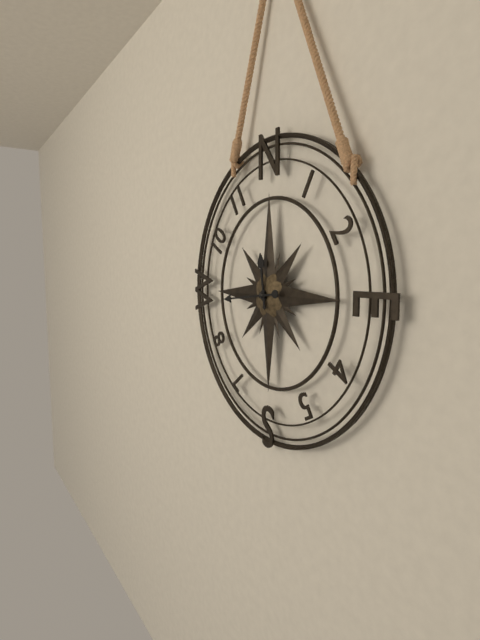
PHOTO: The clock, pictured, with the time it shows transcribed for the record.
11:44
